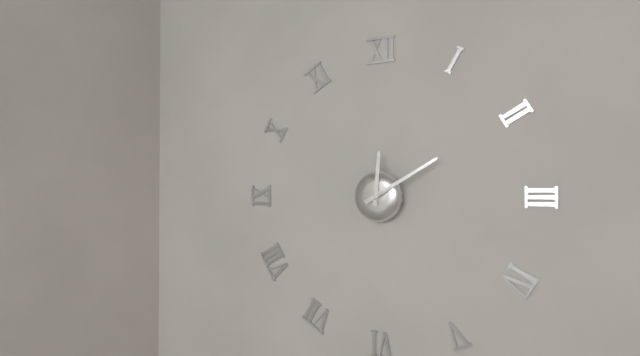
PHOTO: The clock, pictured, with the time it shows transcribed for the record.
12:10
